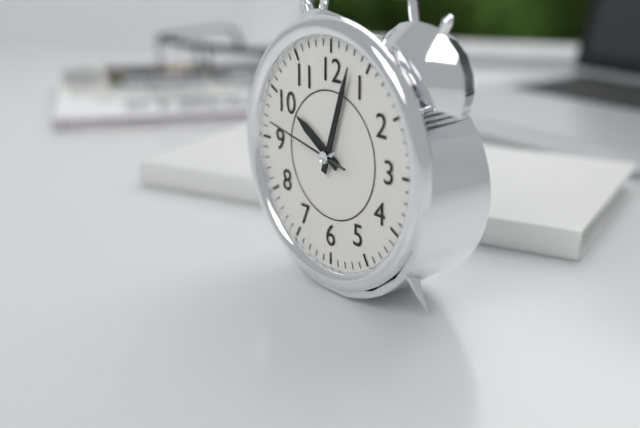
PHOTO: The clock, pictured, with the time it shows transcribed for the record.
10:03:47
